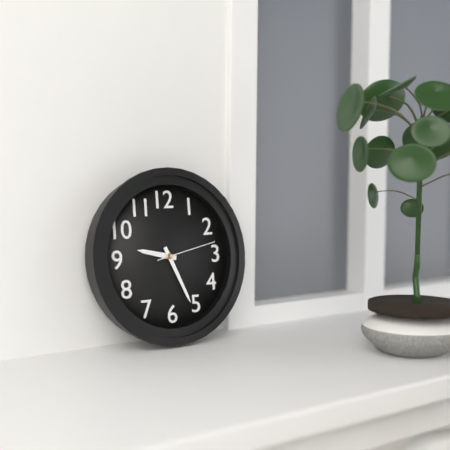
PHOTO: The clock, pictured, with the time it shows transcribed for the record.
9:26:13
